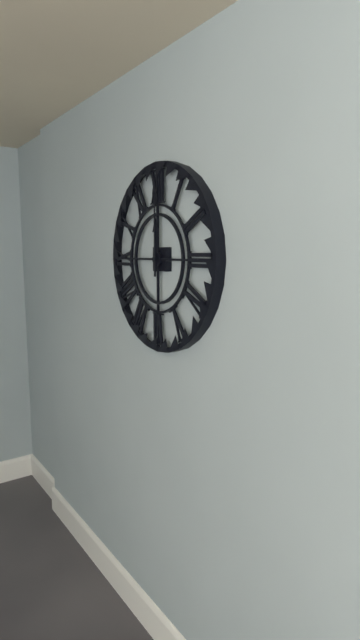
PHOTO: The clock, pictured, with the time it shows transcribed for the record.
12:00
